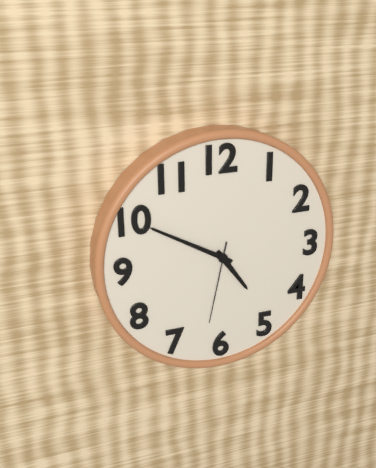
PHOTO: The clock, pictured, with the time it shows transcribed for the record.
4:50:32
